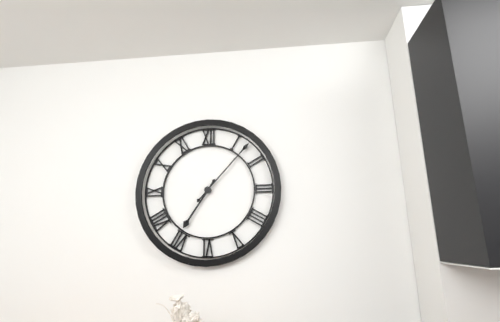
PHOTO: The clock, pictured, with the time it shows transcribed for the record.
7:07
